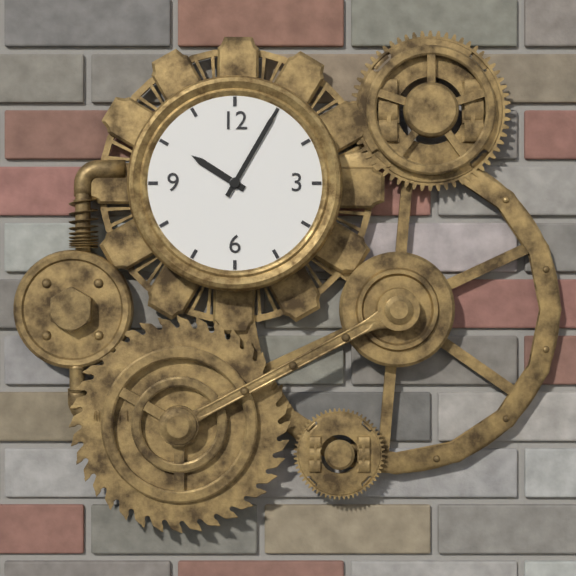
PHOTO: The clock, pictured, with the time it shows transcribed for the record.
10:05
